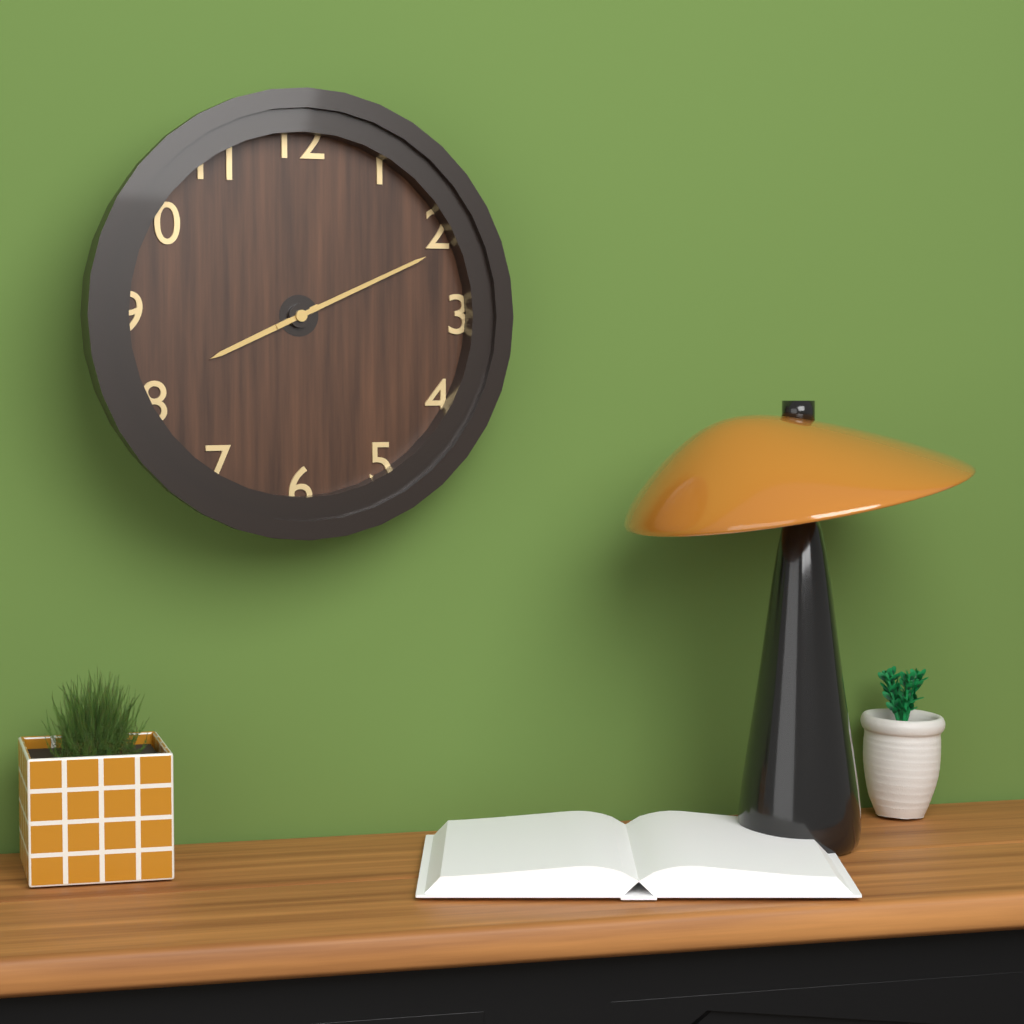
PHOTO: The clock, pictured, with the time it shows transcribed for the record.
8:11
